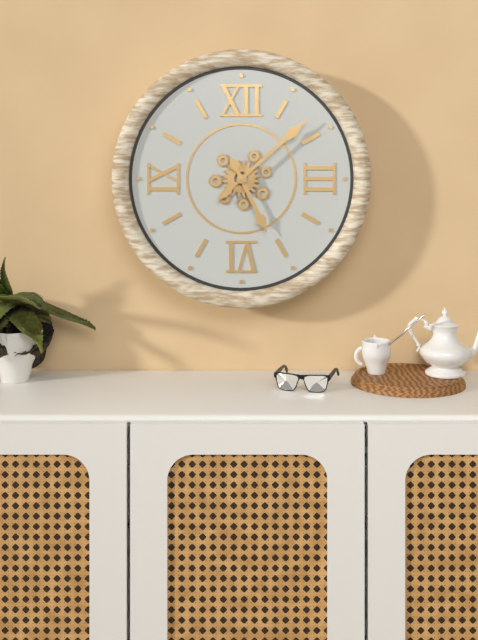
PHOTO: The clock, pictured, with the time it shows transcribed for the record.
5:08
